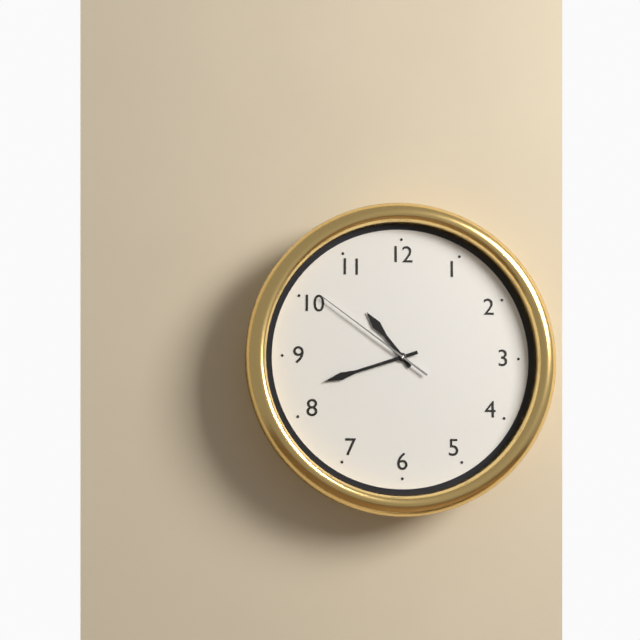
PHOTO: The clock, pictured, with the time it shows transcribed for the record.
10:42:51
